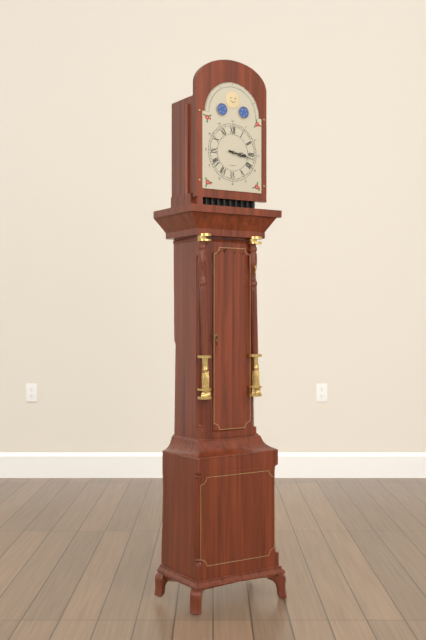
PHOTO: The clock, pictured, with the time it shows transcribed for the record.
3:17
